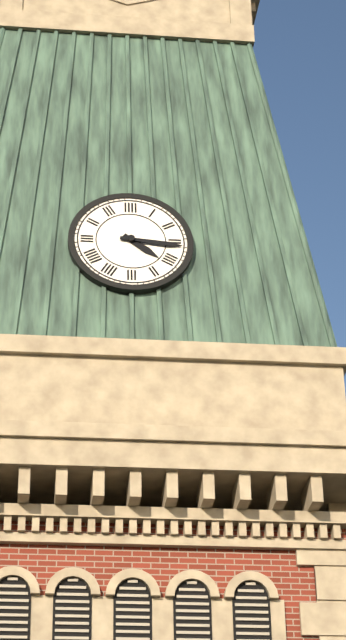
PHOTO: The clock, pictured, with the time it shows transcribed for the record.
4:16
